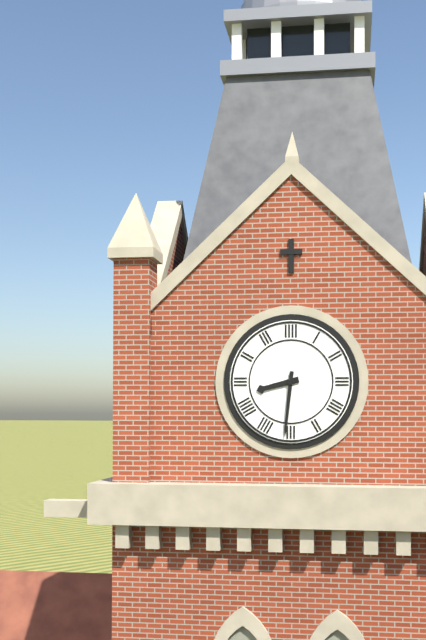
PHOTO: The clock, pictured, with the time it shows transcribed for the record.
8:31
